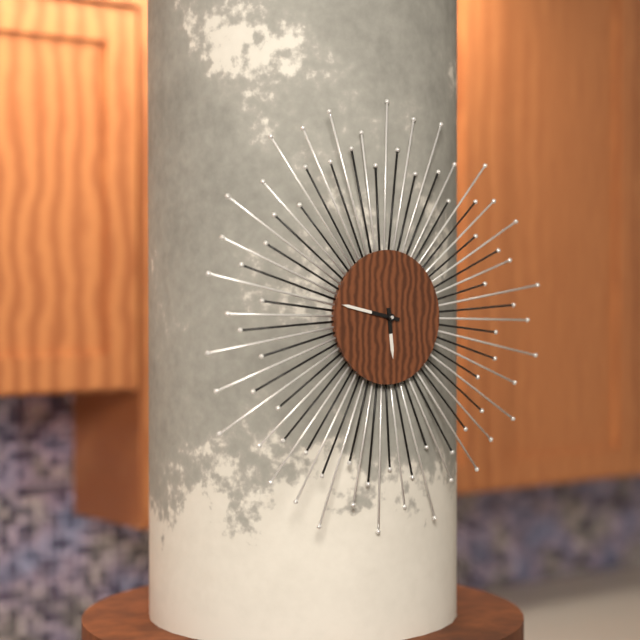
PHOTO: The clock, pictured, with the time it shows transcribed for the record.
5:47
